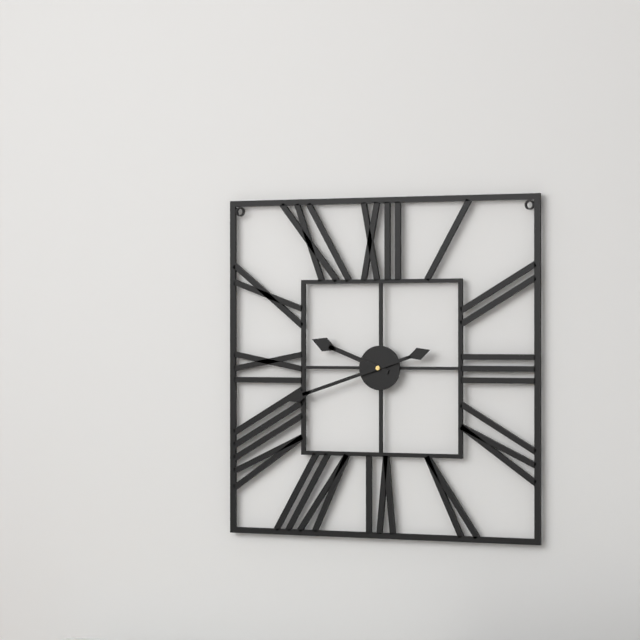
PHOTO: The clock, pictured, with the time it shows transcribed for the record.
9:42
